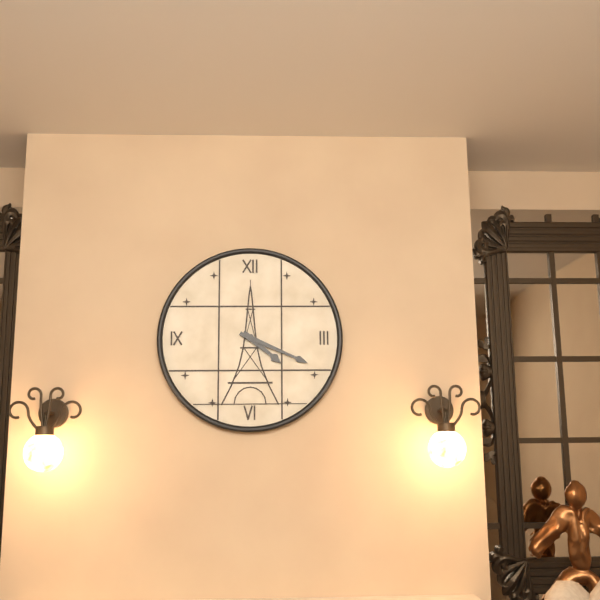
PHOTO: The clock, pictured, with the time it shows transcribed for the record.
4:19
